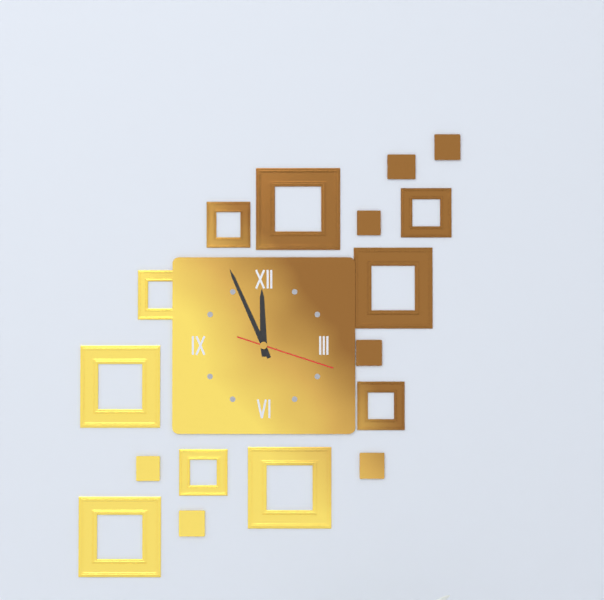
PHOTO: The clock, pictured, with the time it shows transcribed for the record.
11:56:18
